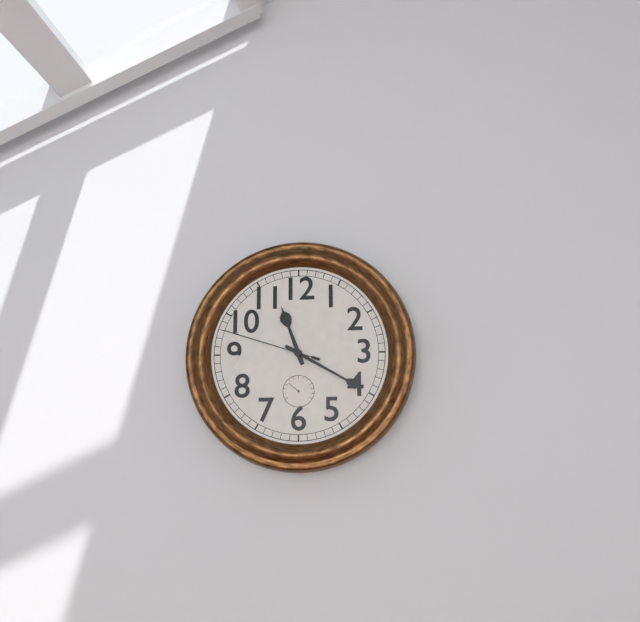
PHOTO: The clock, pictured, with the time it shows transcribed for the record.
11:20:48
